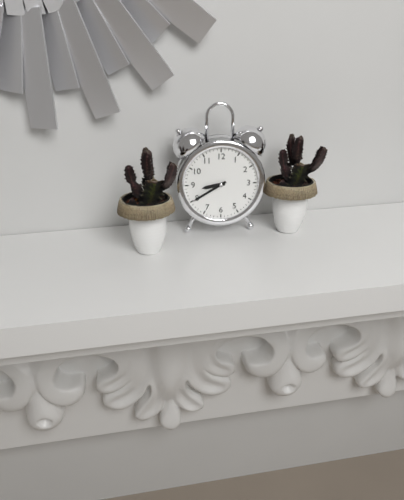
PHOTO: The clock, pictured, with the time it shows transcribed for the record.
8:40
